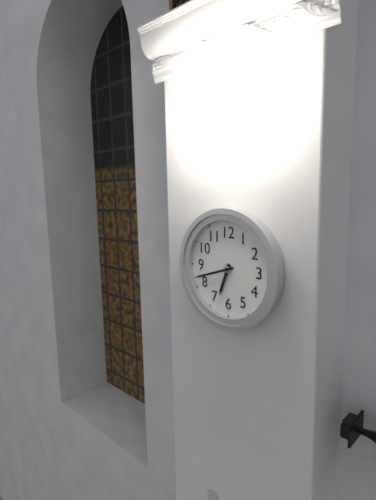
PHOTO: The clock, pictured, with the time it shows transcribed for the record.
6:42
